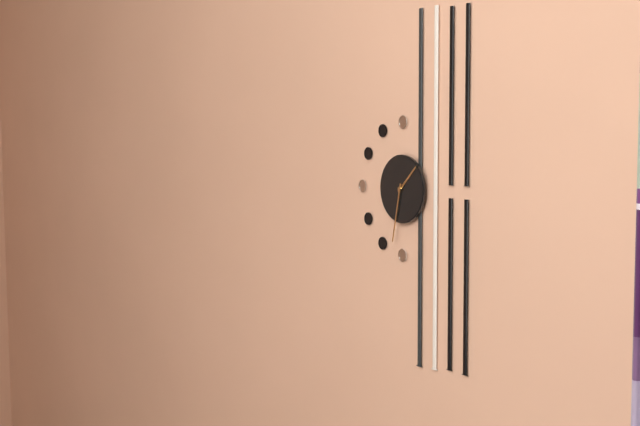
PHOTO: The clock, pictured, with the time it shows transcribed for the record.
1:32
